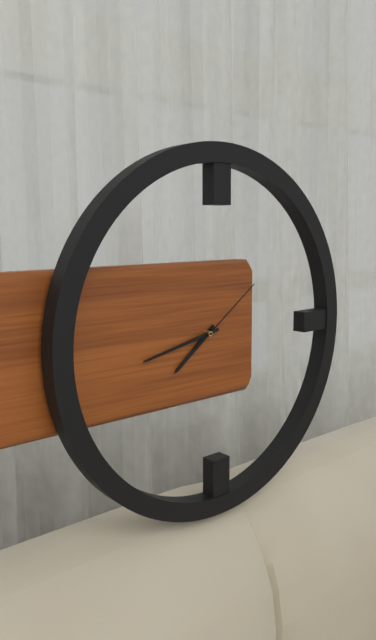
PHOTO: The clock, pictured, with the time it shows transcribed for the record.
7:43:09
